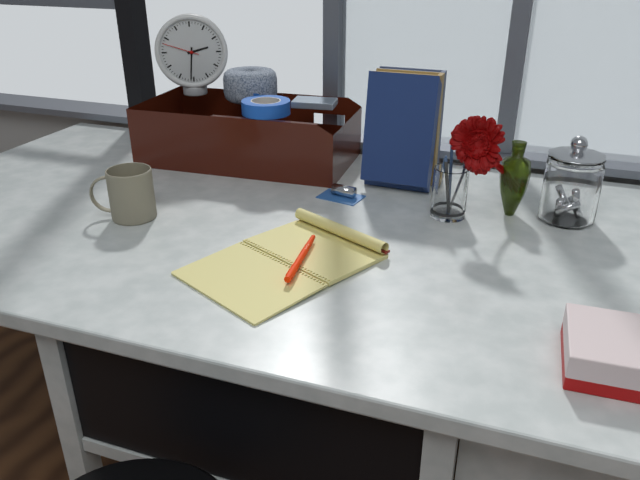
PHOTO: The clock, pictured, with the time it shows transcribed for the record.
2:31
